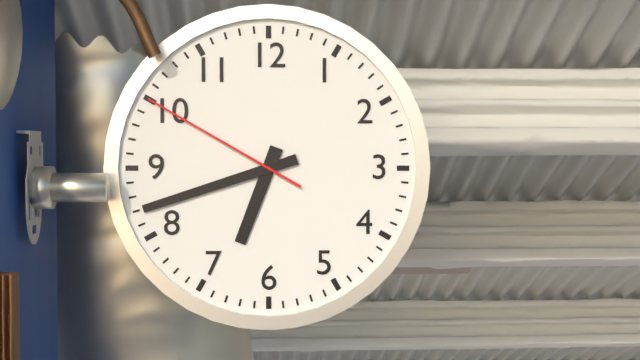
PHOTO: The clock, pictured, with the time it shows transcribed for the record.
6:42:50
